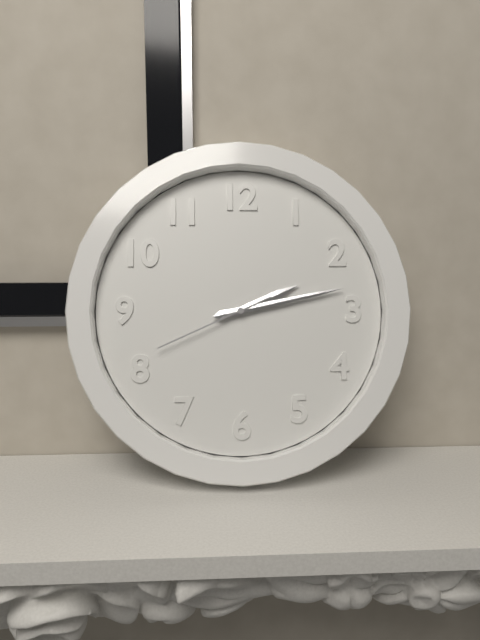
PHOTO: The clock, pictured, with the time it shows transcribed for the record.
2:13:41
